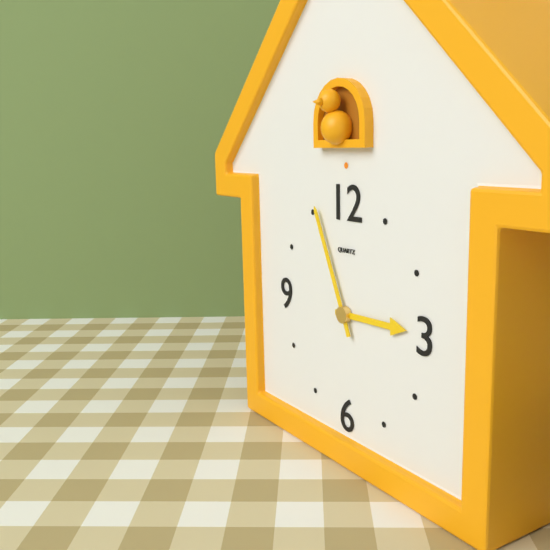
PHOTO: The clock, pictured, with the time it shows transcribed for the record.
2:56
